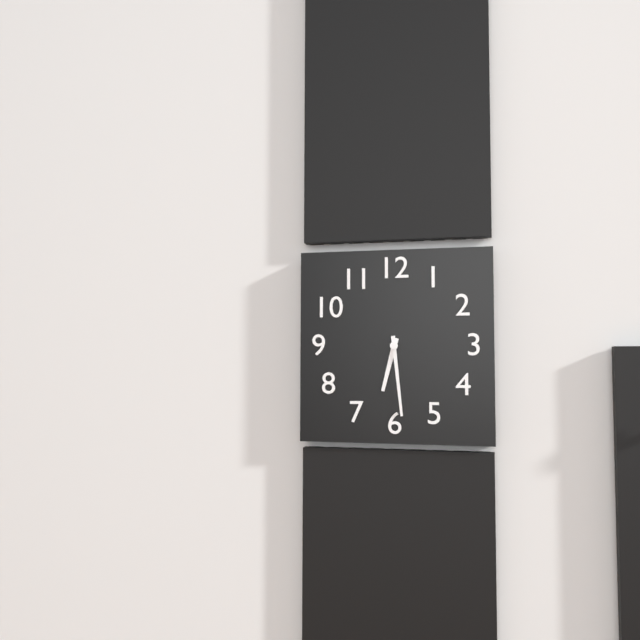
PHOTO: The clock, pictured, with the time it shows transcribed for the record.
6:29
